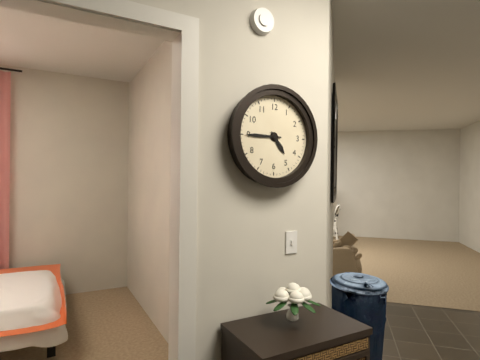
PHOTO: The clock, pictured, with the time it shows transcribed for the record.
4:45
